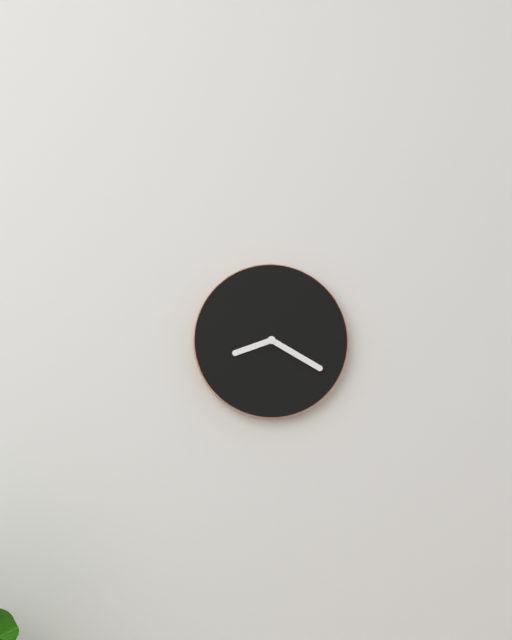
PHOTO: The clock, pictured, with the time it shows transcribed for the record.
8:20
